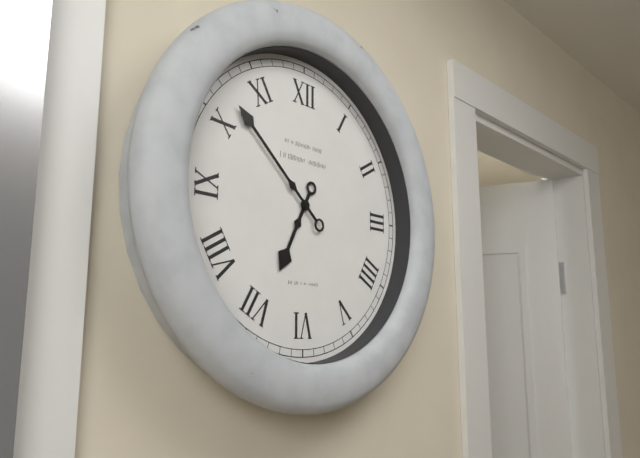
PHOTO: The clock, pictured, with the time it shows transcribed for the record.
6:52
